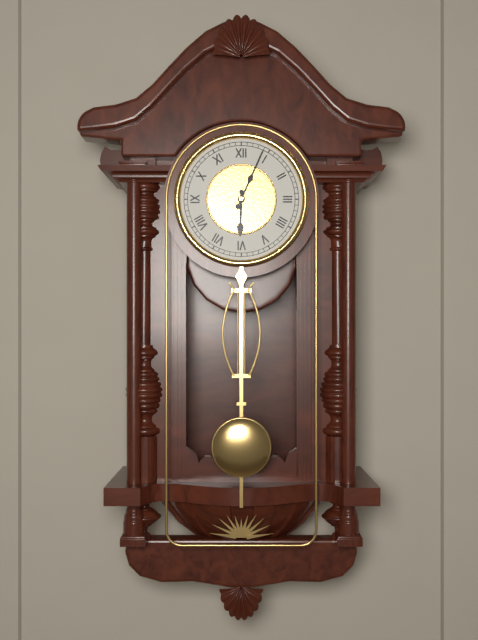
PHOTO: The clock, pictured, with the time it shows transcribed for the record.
6:04
